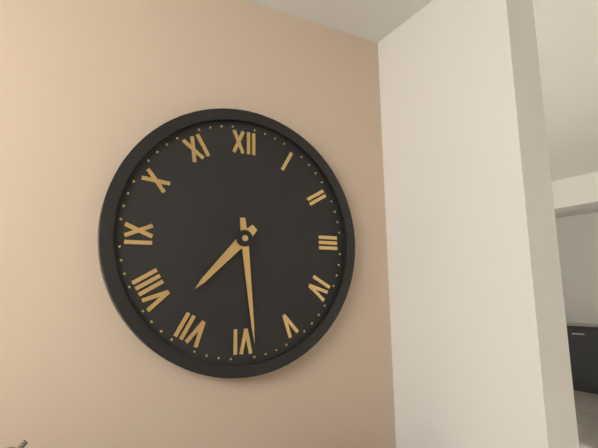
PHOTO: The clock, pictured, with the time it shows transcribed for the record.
7:29
